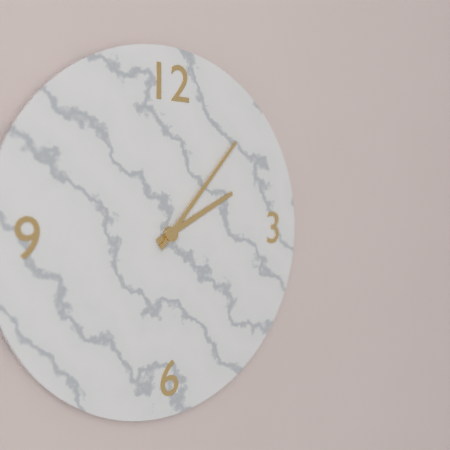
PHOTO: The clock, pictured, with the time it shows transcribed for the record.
2:07
